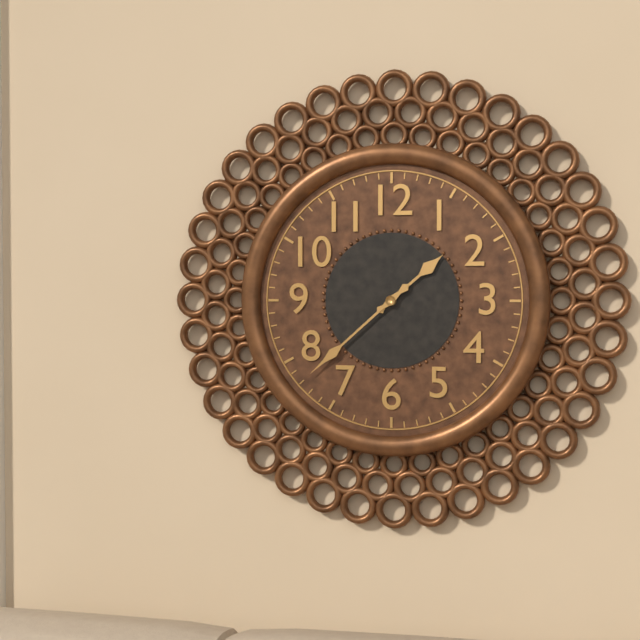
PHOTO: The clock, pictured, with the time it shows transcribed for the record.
1:38
